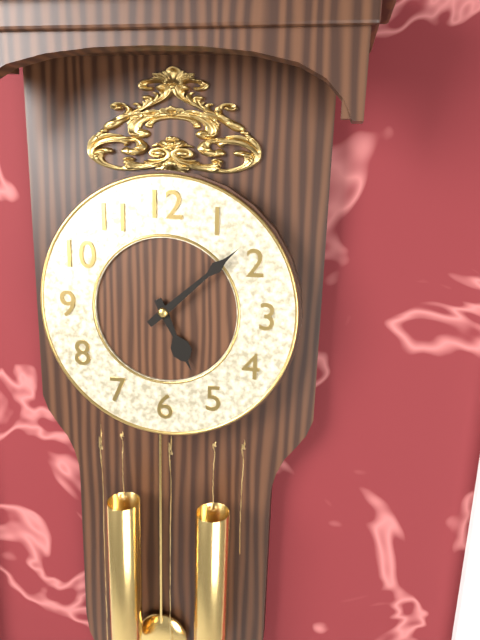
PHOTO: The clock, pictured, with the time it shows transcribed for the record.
5:08
